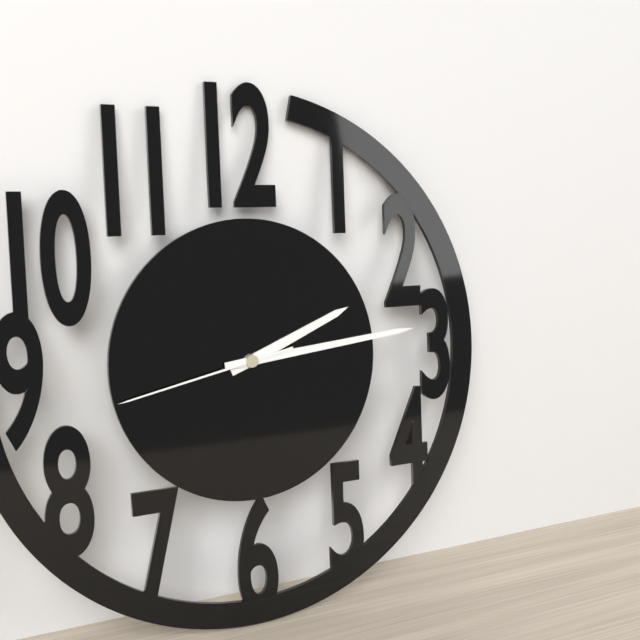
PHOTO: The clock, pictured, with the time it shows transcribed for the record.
2:14:43
